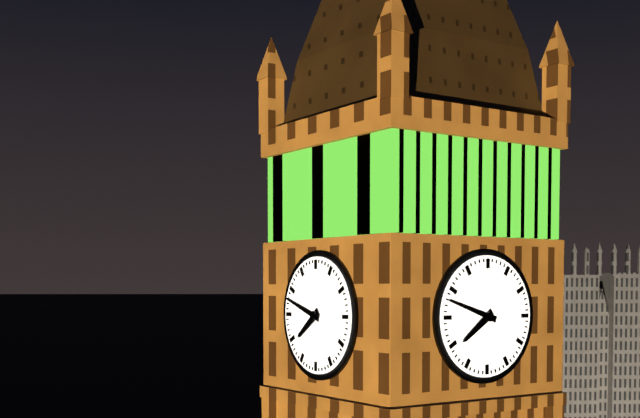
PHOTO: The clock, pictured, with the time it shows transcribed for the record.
7:48
